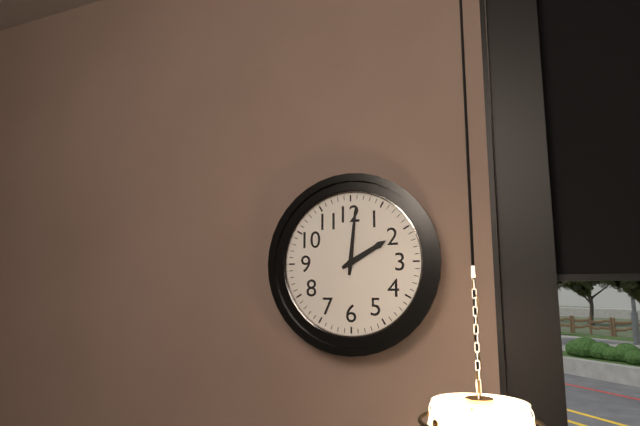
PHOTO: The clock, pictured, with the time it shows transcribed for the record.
2:01
